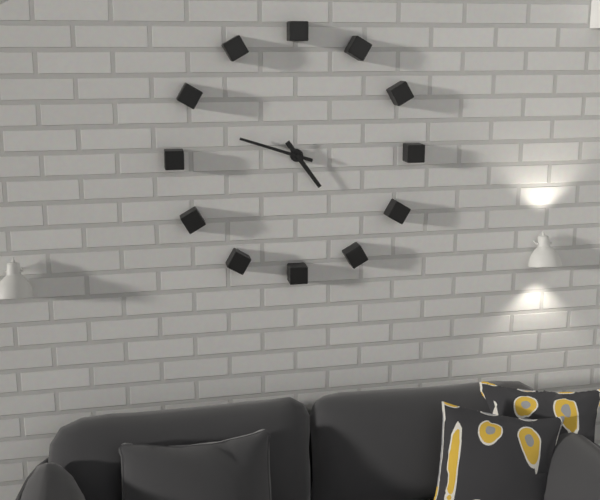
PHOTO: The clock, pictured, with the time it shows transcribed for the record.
4:48
